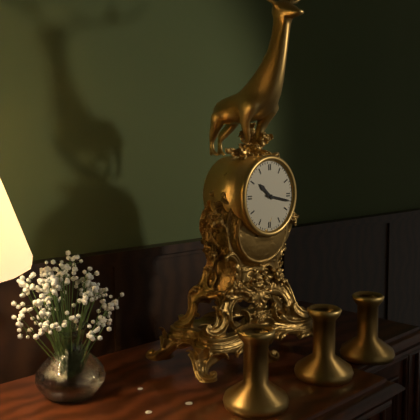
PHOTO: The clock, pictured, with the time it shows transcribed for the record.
10:17
